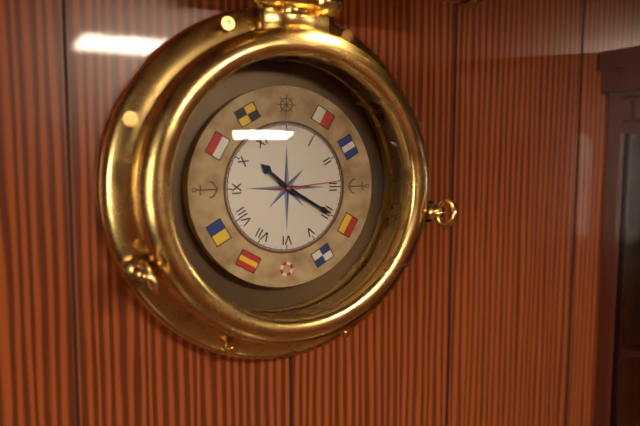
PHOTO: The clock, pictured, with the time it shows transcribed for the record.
10:20:14
